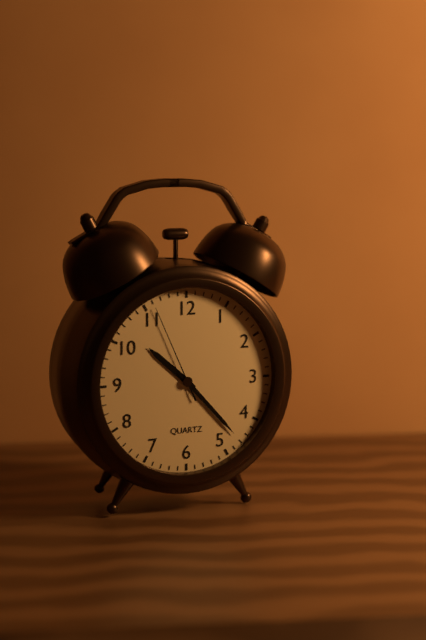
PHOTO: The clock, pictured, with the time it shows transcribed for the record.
10:23:56
